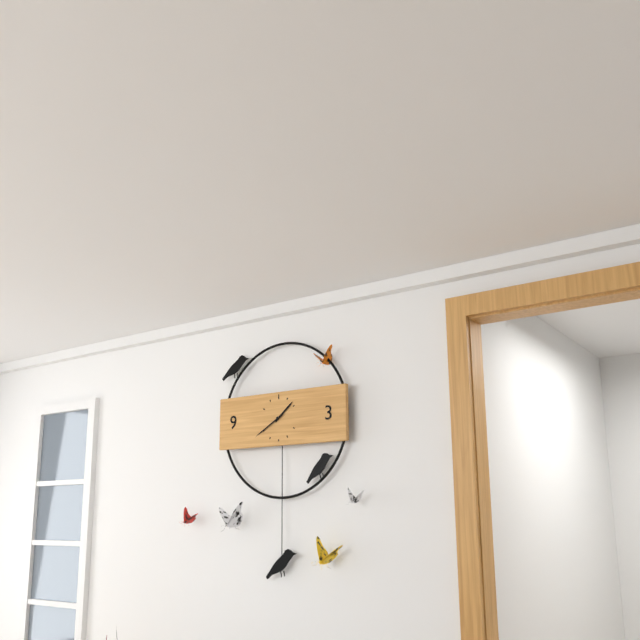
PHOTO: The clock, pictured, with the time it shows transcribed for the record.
1:40
